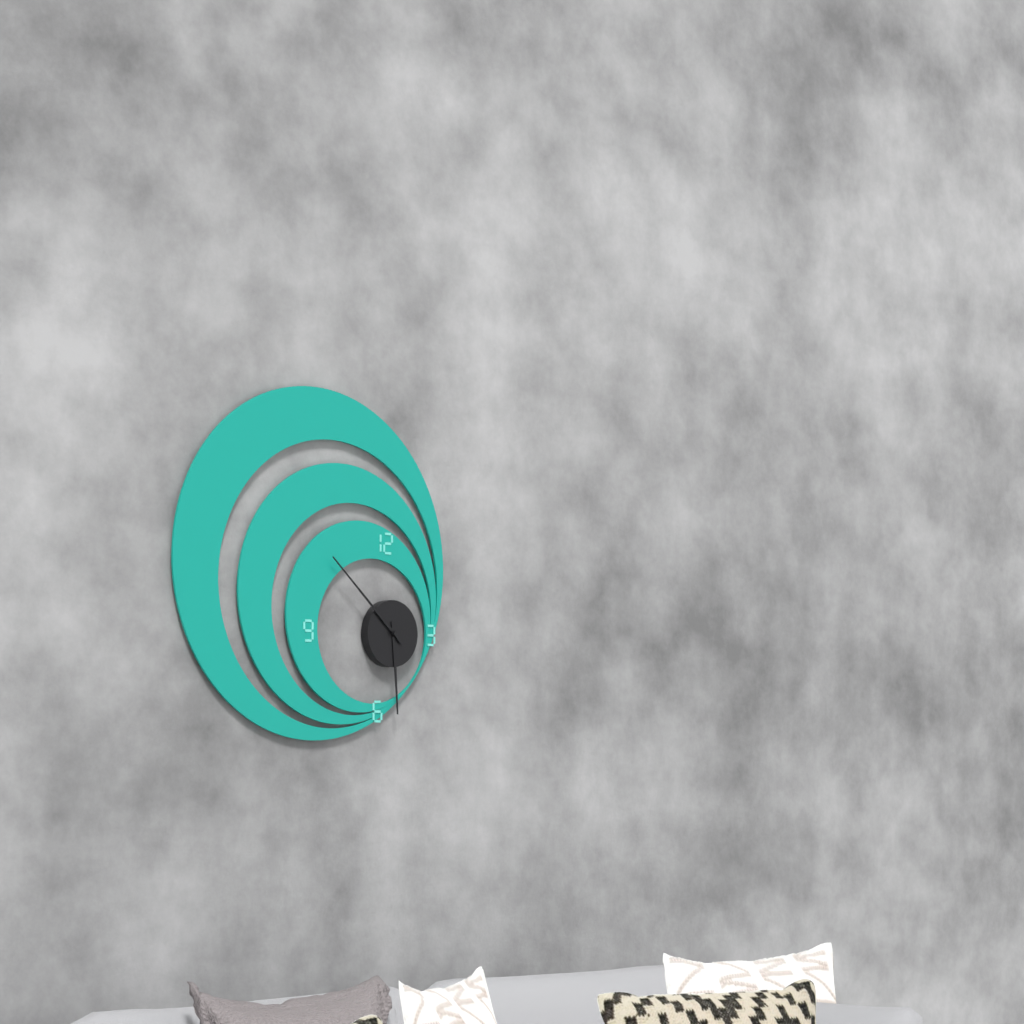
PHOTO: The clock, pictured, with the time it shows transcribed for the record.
5:52
